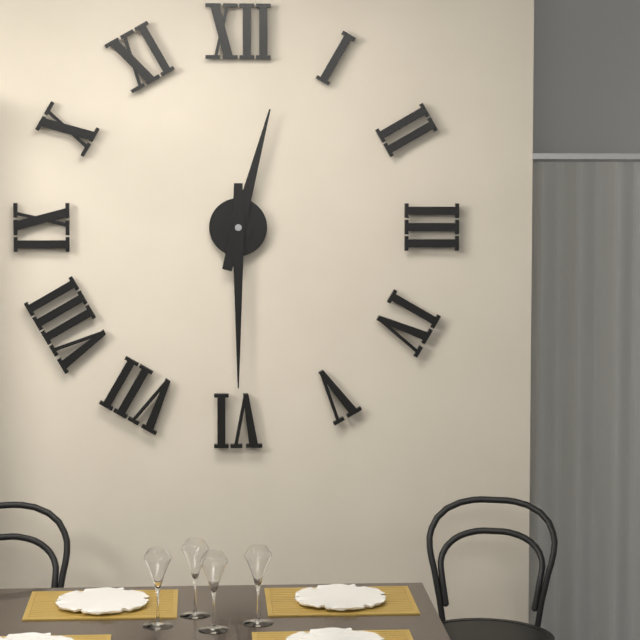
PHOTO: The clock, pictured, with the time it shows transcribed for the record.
12:30
